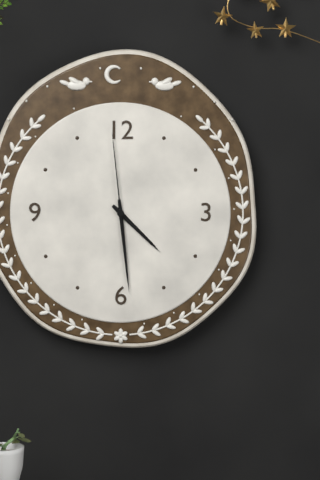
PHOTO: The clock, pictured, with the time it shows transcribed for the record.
4:29:59
